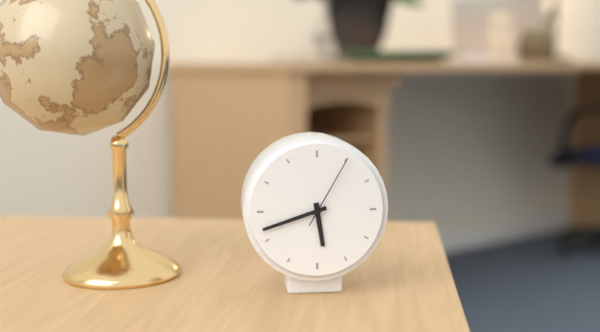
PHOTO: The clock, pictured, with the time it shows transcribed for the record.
5:42:05
